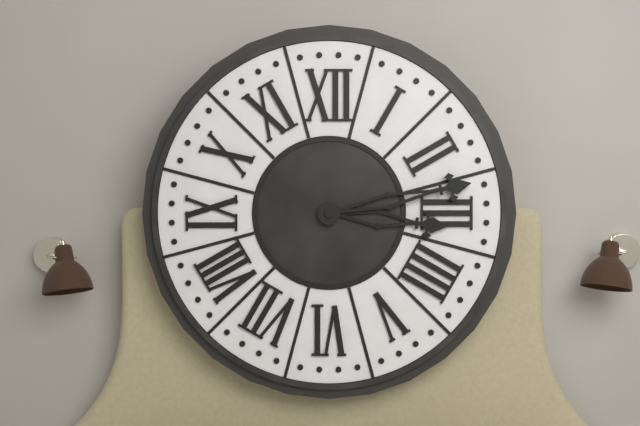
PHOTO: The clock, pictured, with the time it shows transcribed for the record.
3:13
